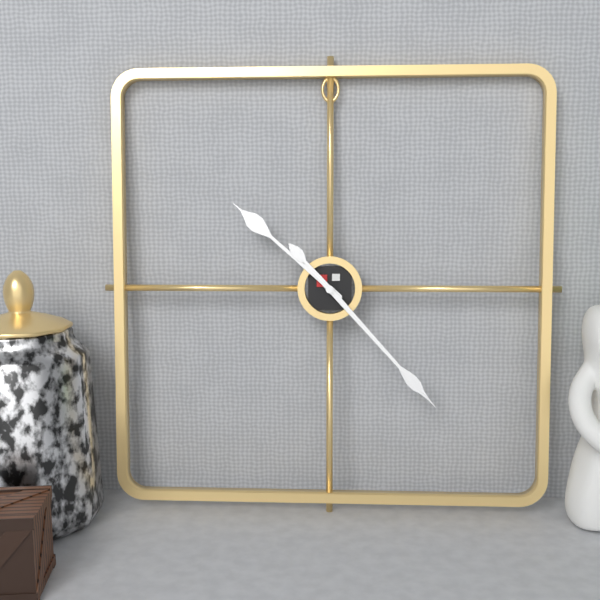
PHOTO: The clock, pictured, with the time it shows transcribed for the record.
10:23
